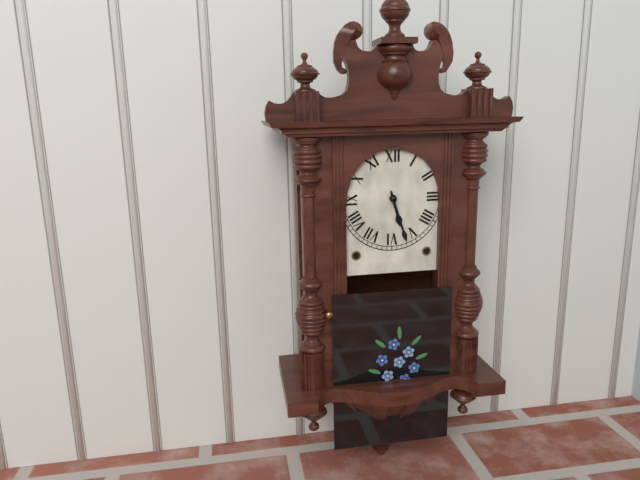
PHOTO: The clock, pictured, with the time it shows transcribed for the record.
5:27
